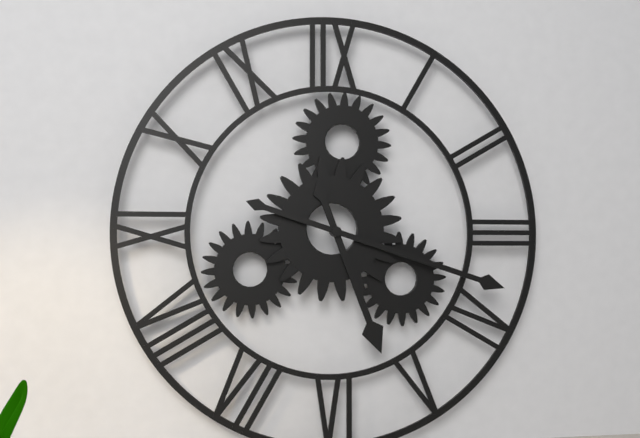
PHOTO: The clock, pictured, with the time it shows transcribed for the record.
5:18
